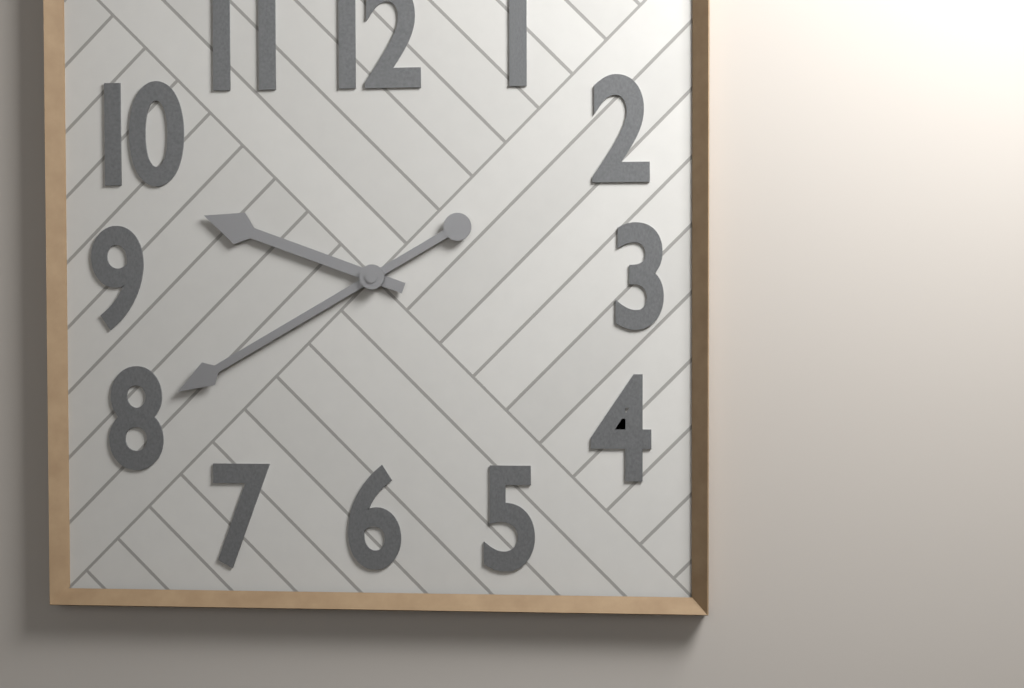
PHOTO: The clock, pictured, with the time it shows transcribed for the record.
9:40
